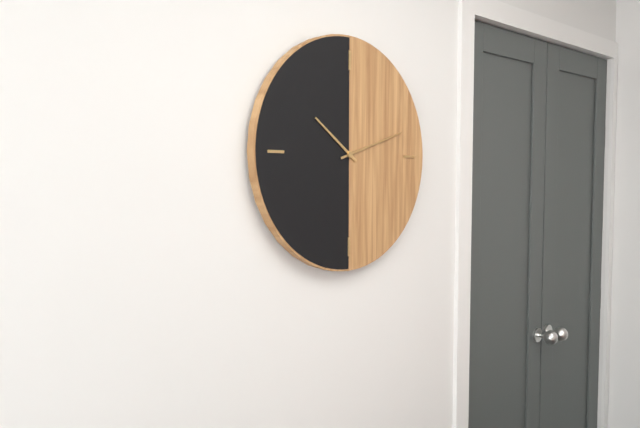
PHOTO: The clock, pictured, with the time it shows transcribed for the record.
10:12
